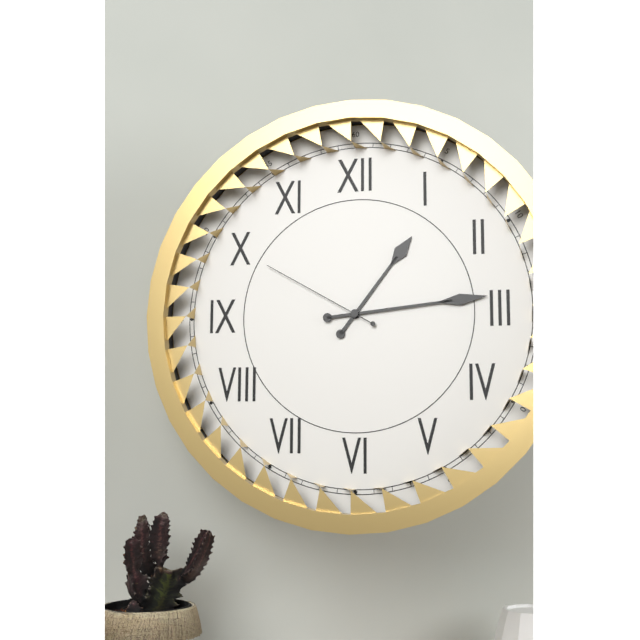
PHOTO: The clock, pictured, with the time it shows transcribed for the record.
1:14:50
